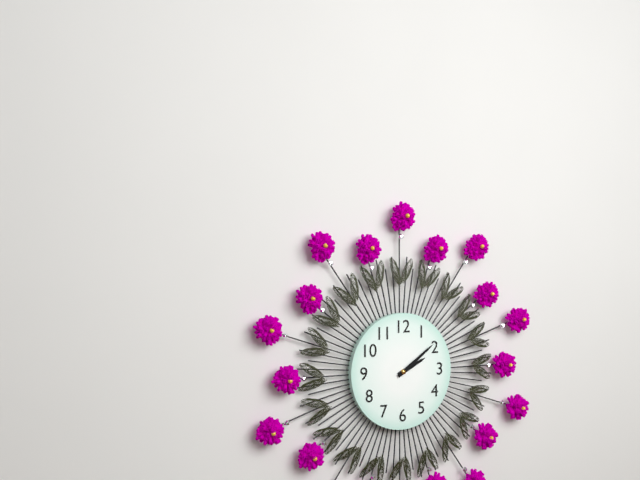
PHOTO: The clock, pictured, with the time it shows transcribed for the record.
2:09
